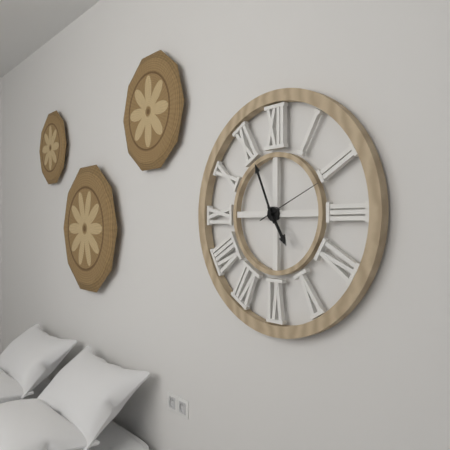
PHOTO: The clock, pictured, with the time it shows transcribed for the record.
4:56:11
